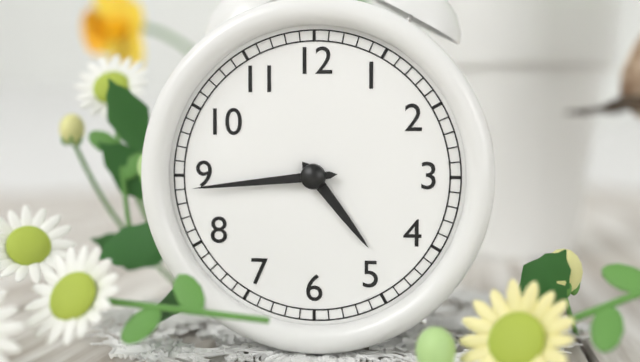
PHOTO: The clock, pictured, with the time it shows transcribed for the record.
4:44
